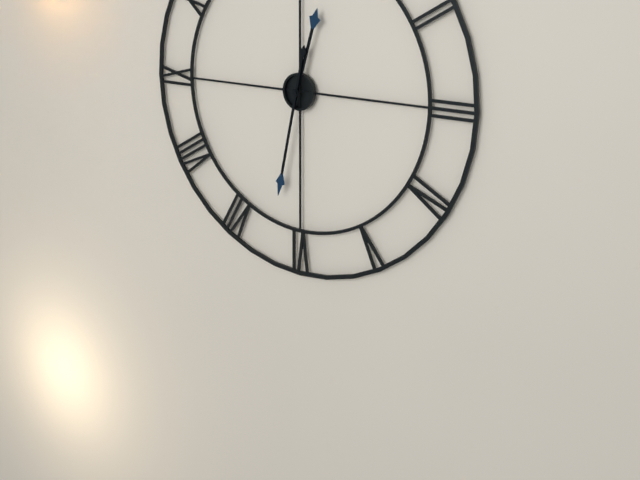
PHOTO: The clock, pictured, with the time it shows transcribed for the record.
12:32
